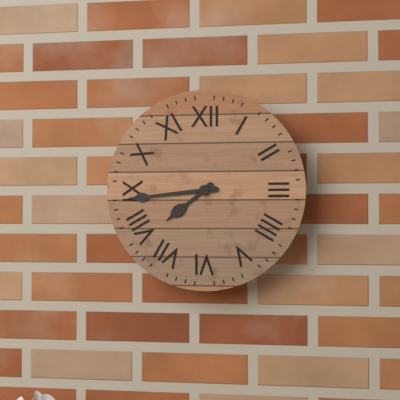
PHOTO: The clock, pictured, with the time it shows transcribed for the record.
7:44
